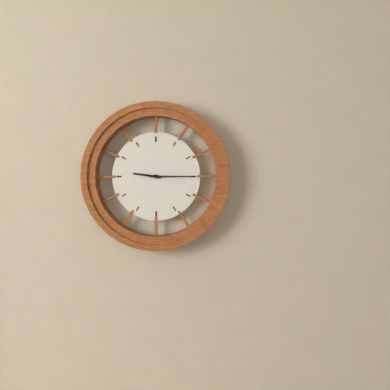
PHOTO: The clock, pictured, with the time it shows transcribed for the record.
9:15
